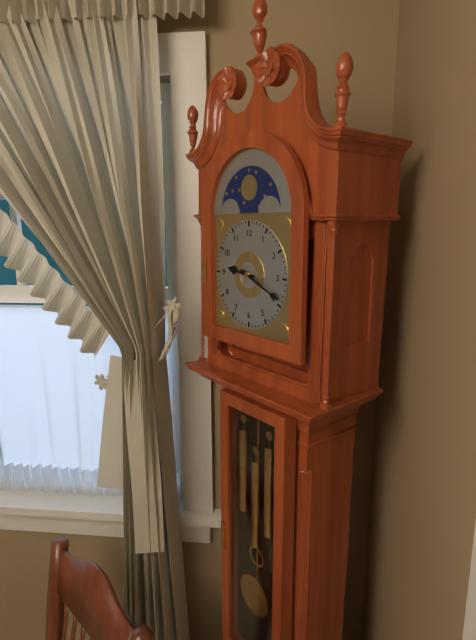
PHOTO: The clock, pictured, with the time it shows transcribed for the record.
9:19
